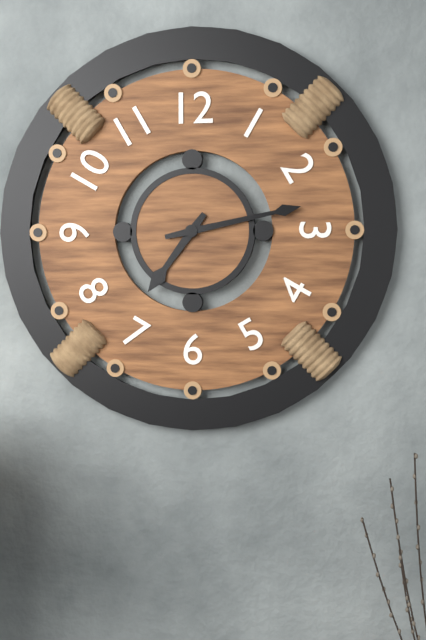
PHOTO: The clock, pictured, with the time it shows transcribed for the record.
7:13
